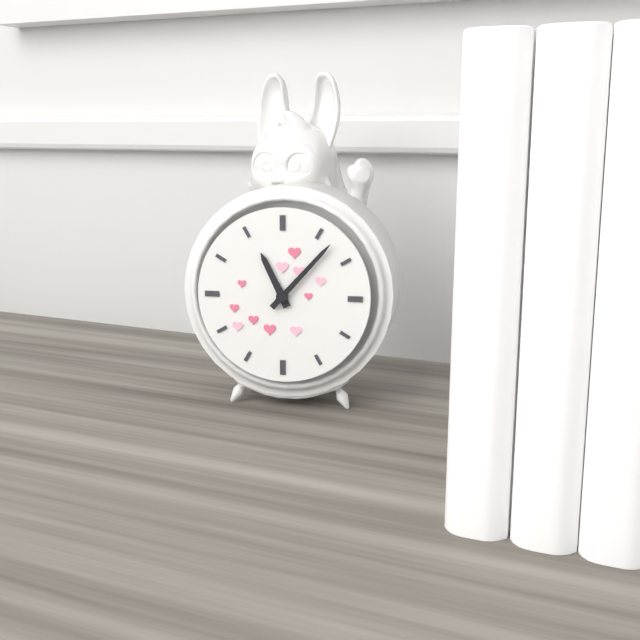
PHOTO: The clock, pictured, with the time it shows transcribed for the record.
11:07
